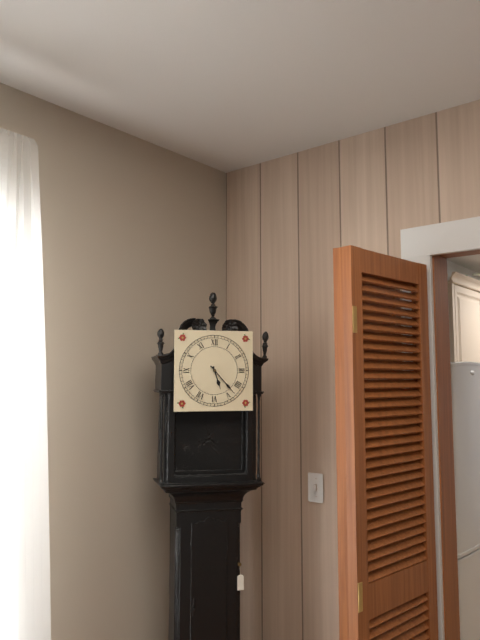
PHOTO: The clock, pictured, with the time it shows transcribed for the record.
5:23
